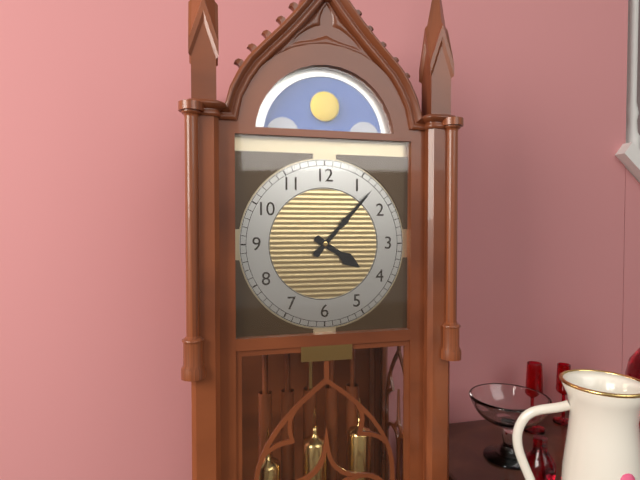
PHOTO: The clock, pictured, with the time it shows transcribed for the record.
4:07
